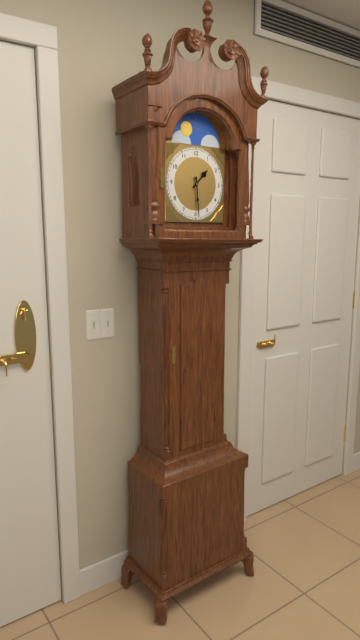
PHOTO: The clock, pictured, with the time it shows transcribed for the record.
1:29
